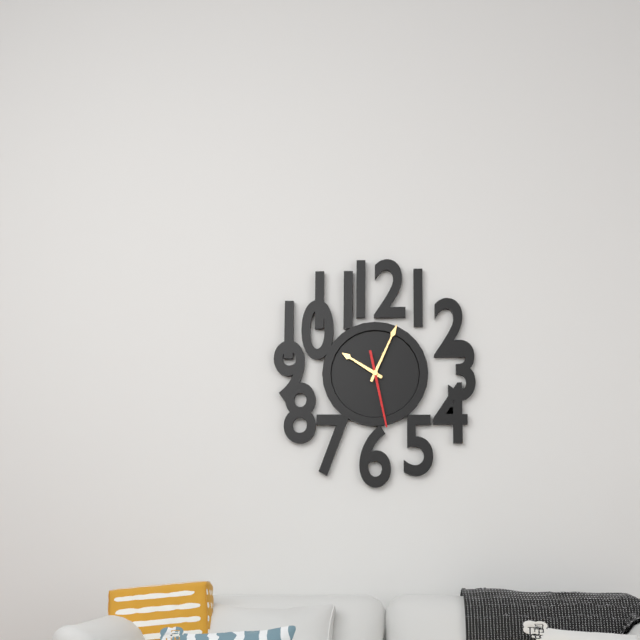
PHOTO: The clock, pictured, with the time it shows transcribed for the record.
10:04:28
